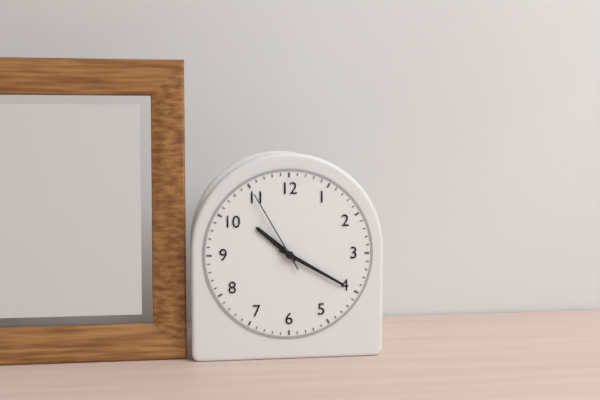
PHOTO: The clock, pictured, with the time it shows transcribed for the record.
10:20:55
